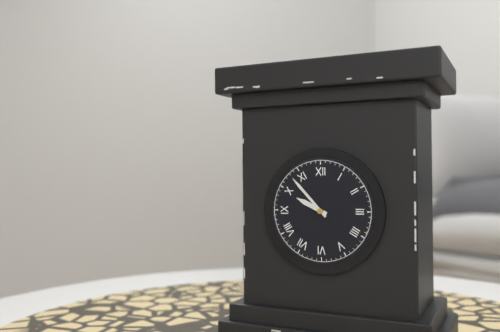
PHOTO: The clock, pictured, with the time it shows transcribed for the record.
9:53
